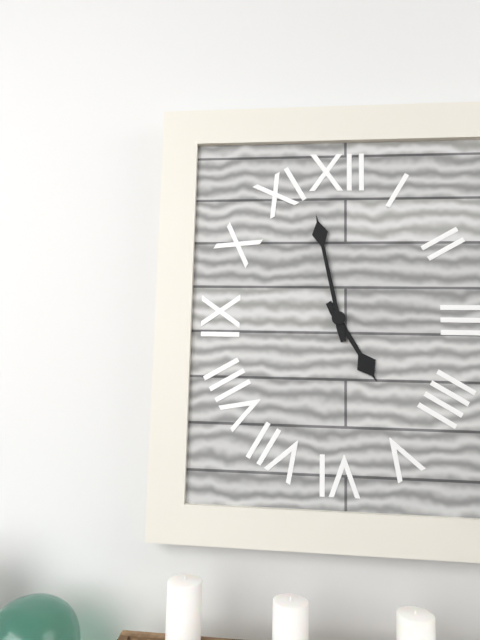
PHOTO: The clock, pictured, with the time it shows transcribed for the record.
4:58
